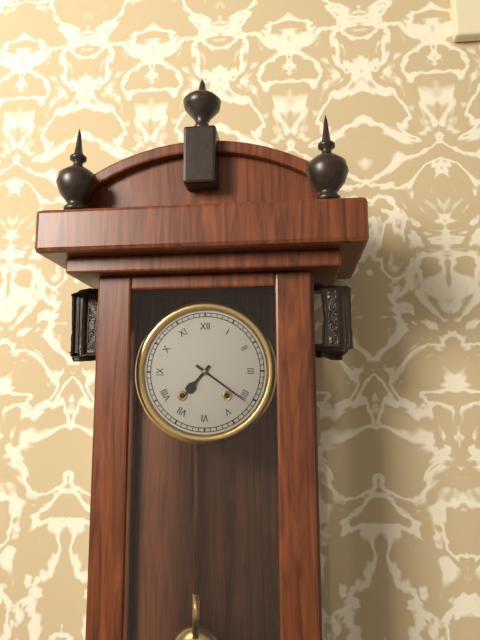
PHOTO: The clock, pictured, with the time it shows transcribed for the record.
7:21
